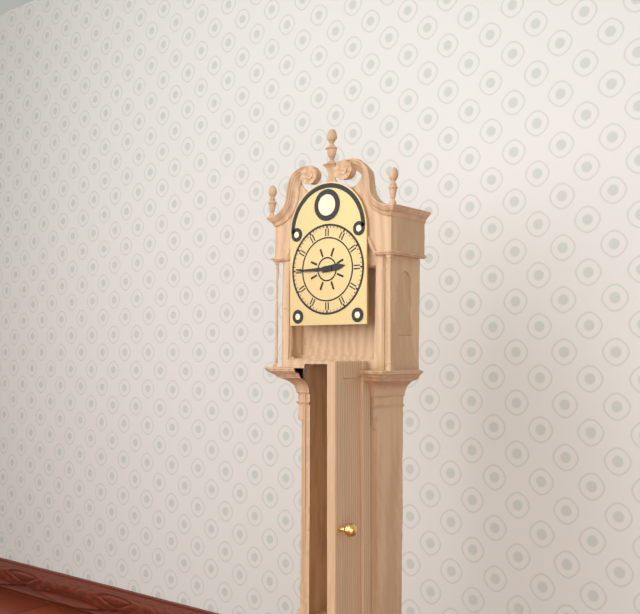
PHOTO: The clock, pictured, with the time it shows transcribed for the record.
2:45
